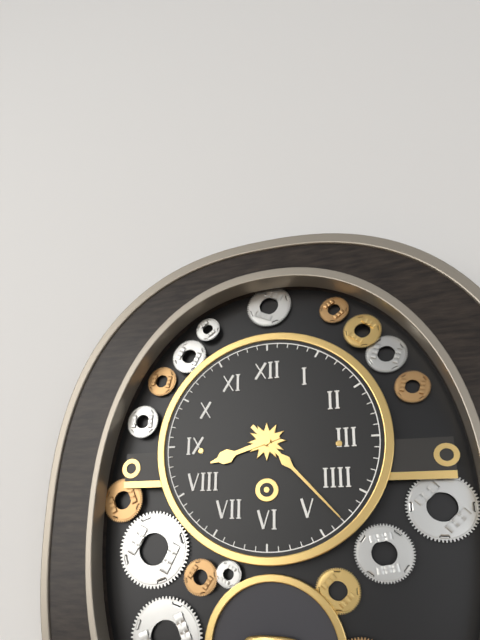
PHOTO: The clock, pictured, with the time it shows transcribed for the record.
8:23
